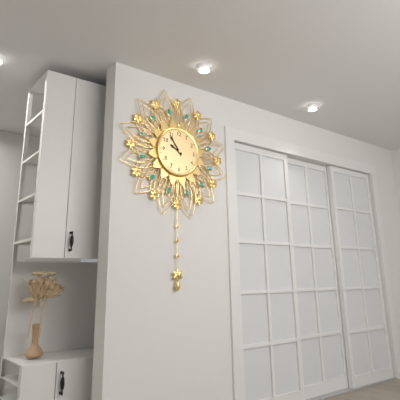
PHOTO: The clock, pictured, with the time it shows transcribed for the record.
9:54
